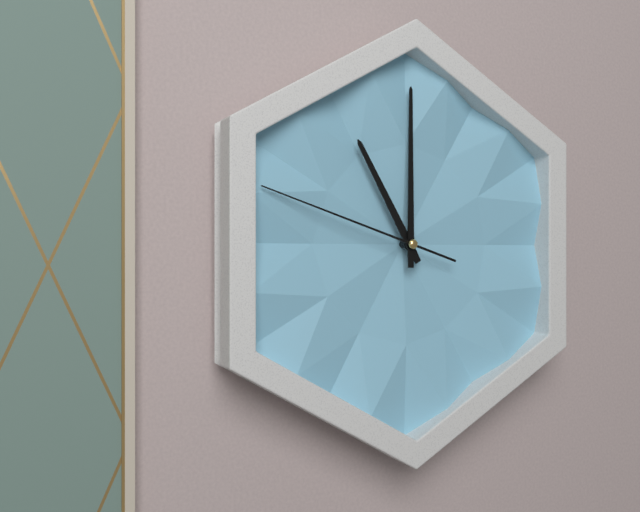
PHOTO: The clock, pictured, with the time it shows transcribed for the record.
11:00:48
